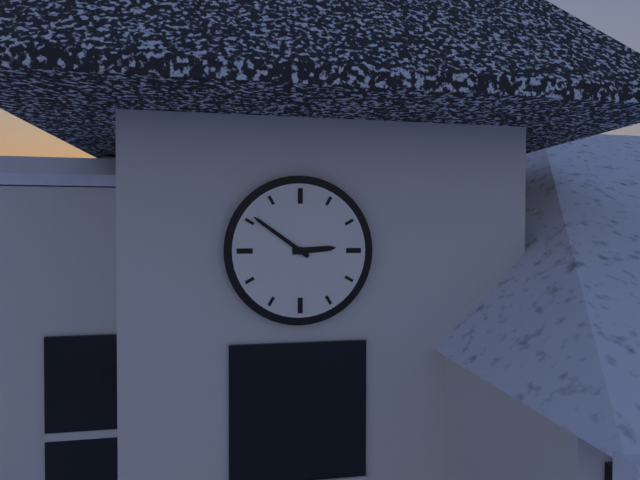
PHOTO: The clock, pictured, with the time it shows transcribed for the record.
2:51
